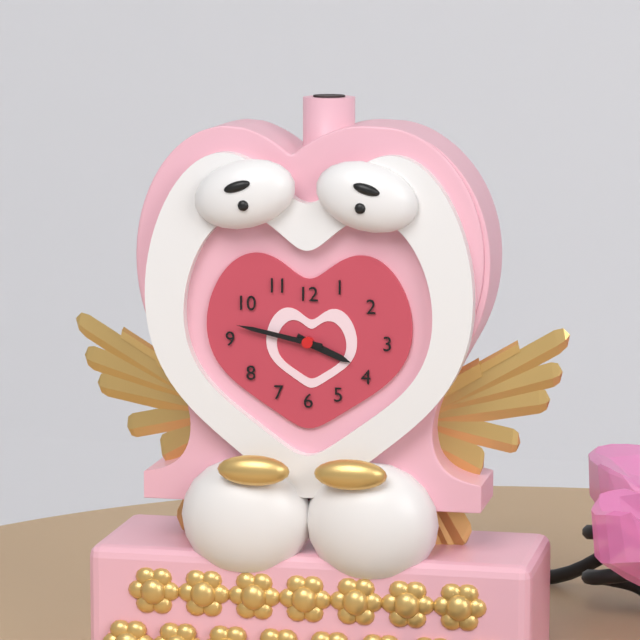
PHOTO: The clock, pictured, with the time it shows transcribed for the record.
3:47
